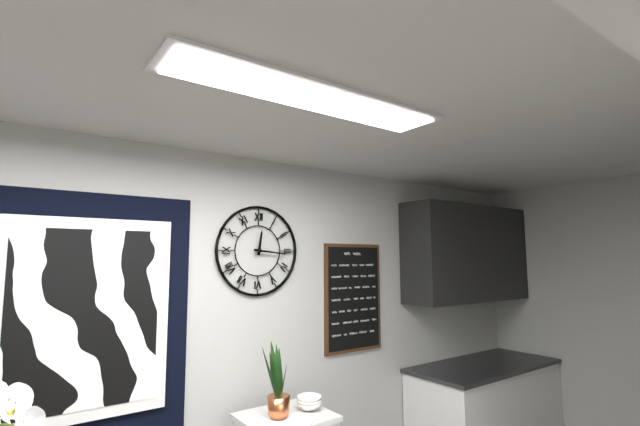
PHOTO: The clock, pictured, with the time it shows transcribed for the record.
12:16
